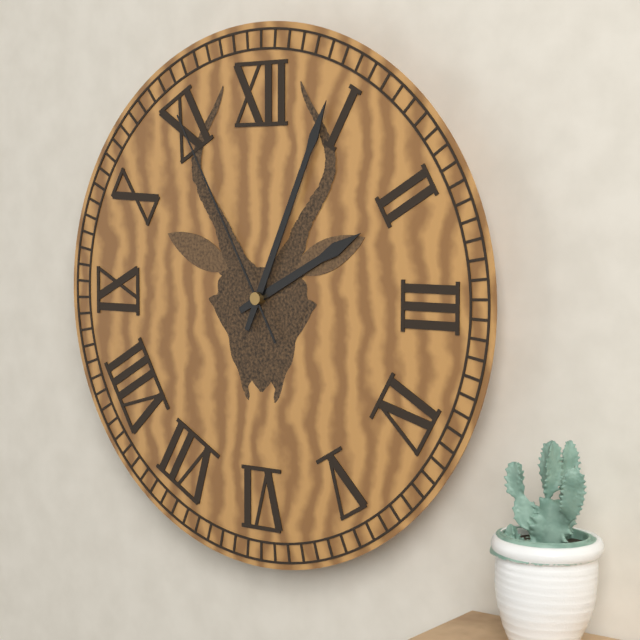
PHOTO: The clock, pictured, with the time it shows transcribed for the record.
2:04:55
